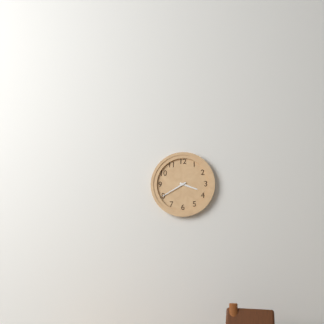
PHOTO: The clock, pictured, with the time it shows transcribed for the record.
3:40
